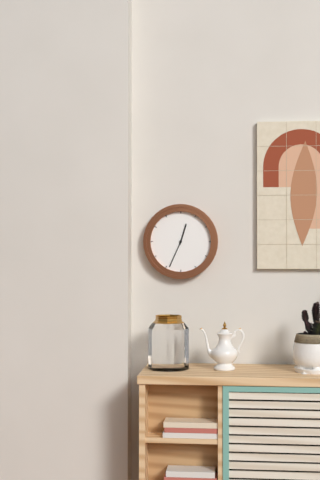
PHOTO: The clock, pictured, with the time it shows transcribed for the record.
12:34
